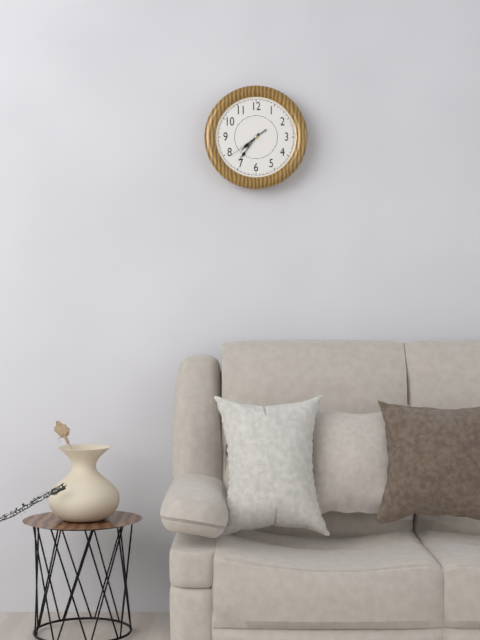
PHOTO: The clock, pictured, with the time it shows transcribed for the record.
7:36
